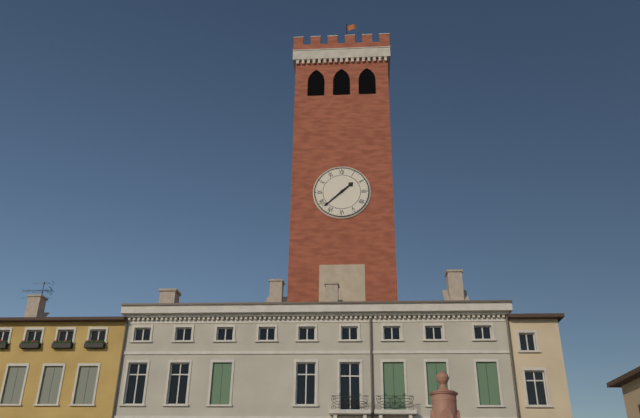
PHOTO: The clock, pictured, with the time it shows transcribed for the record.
1:38
